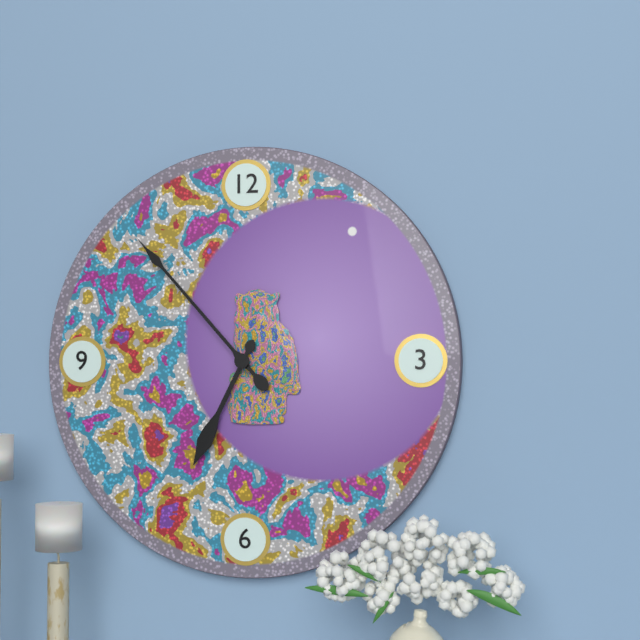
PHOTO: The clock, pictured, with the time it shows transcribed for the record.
6:53
